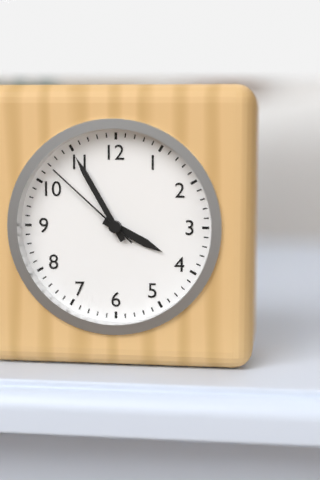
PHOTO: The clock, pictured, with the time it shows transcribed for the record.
3:55:52
